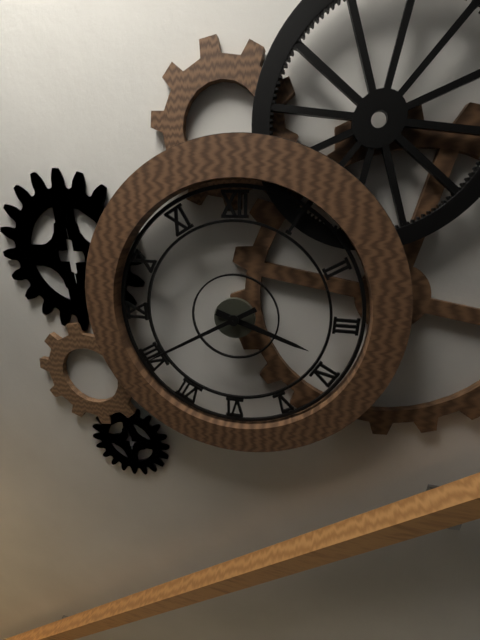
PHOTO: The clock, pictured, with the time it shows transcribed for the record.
3:40
